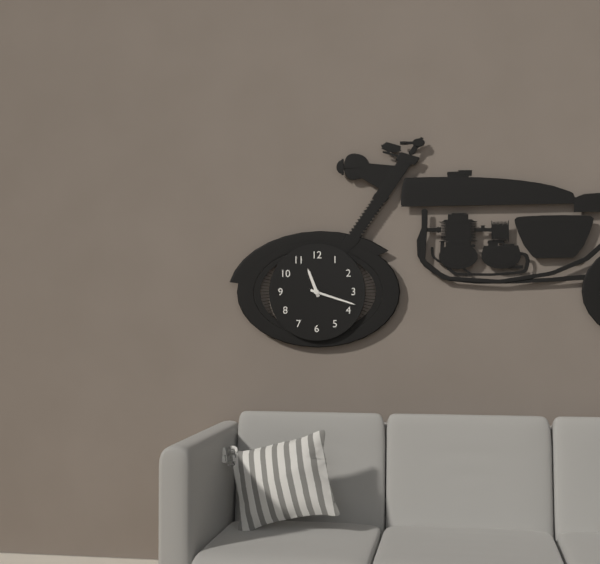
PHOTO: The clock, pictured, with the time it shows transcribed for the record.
11:18
